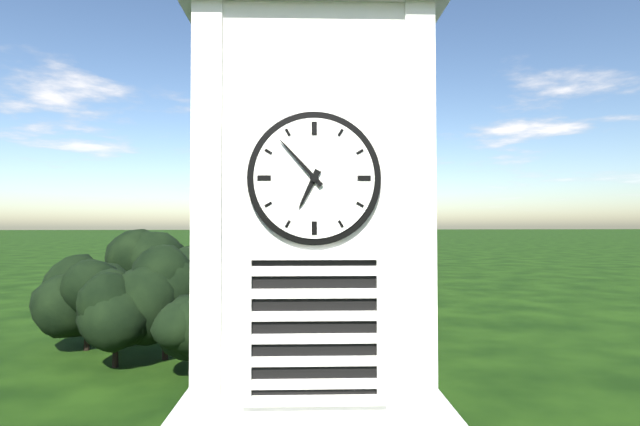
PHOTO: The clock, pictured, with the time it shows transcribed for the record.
6:53
